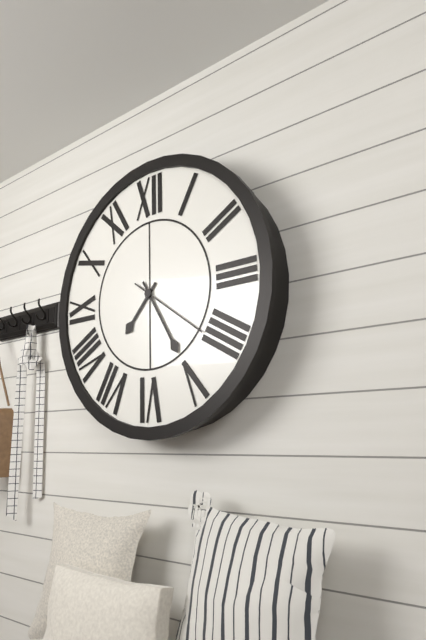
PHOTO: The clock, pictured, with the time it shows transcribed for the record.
7:25:21
